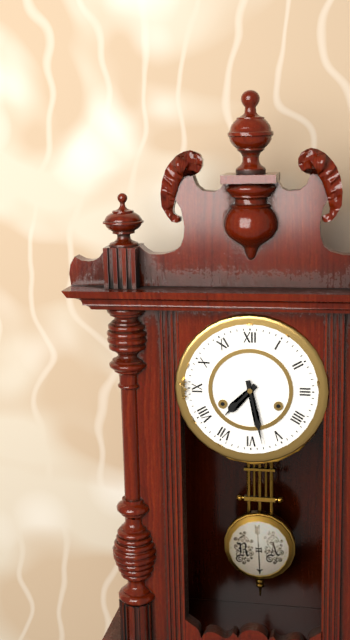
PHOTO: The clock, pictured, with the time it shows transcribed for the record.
7:28
